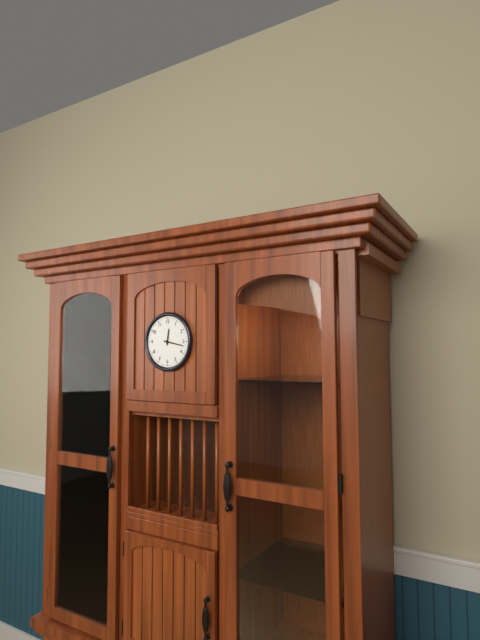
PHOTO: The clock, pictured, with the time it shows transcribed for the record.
12:17
